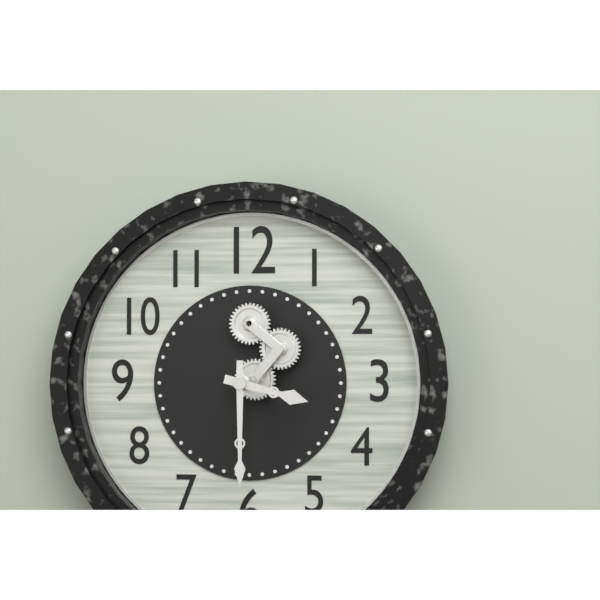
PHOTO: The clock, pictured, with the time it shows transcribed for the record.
3:30
